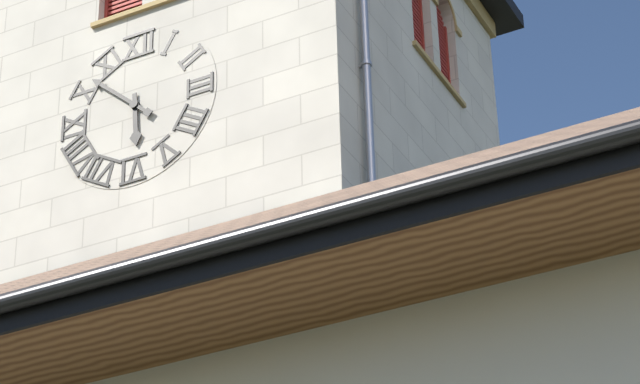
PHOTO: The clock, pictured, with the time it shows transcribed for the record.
5:52
